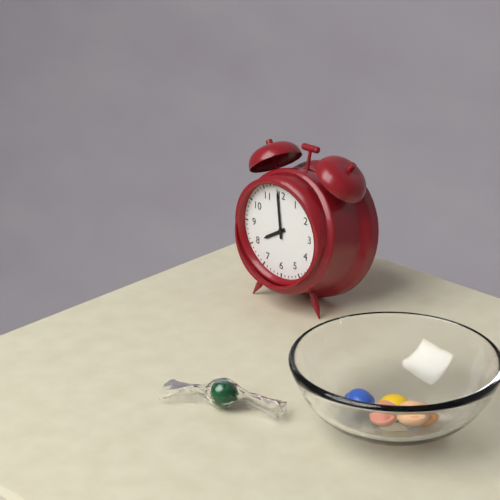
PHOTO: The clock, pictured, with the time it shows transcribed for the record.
7:59
